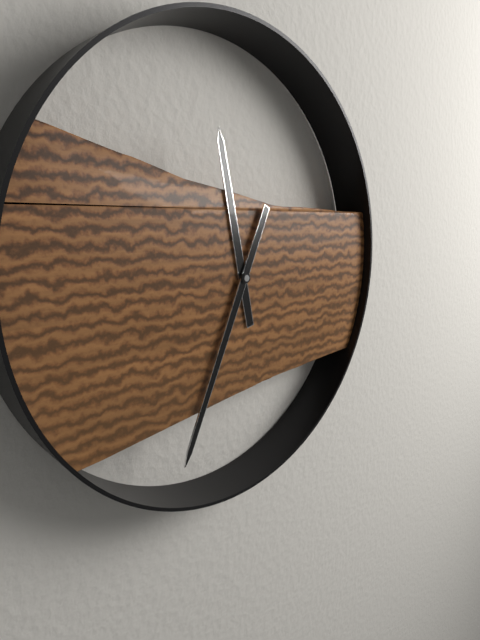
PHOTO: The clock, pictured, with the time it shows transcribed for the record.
11:34
